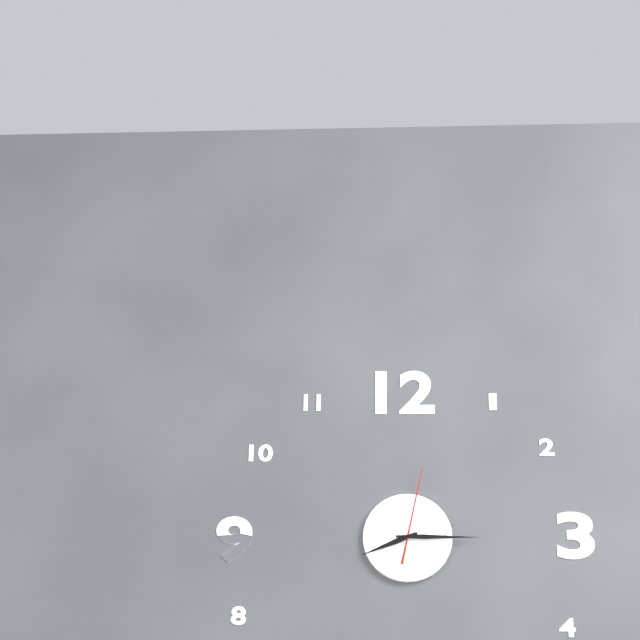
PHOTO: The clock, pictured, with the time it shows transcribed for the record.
8:15:02
